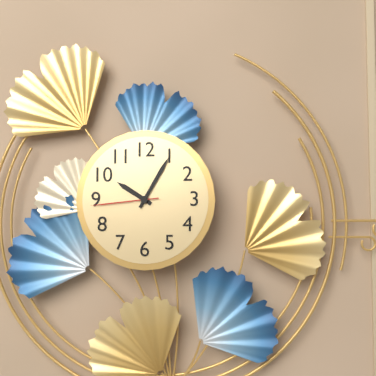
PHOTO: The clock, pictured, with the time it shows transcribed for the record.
10:05:44
